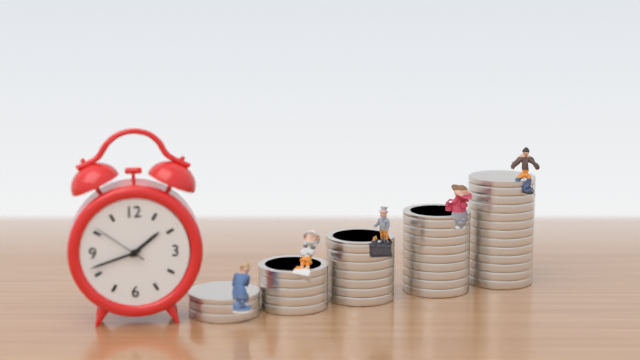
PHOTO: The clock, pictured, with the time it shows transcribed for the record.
1:42:51
